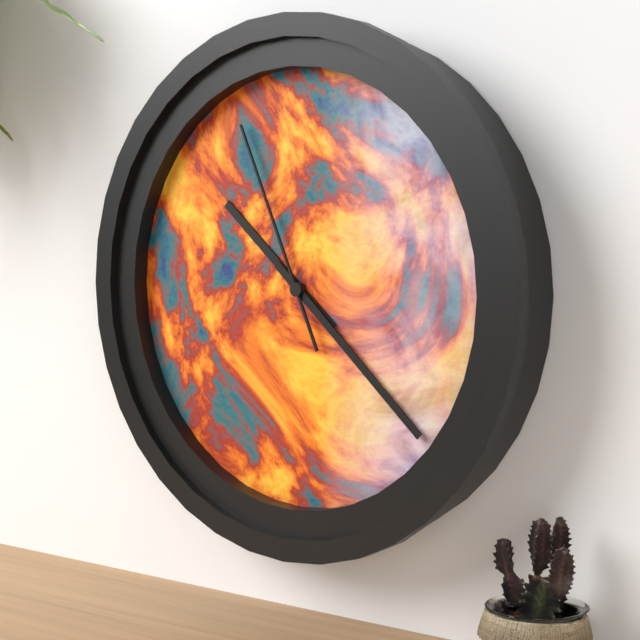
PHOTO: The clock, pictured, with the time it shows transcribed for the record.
10:22:56
